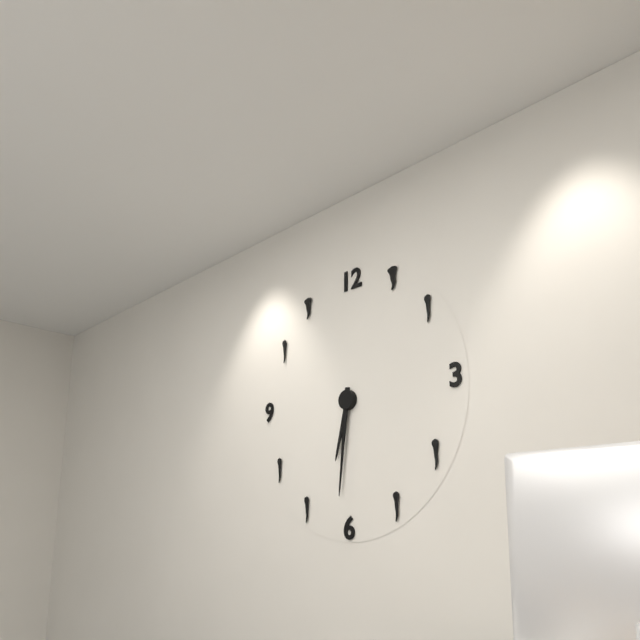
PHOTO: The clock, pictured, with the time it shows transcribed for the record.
6:31
